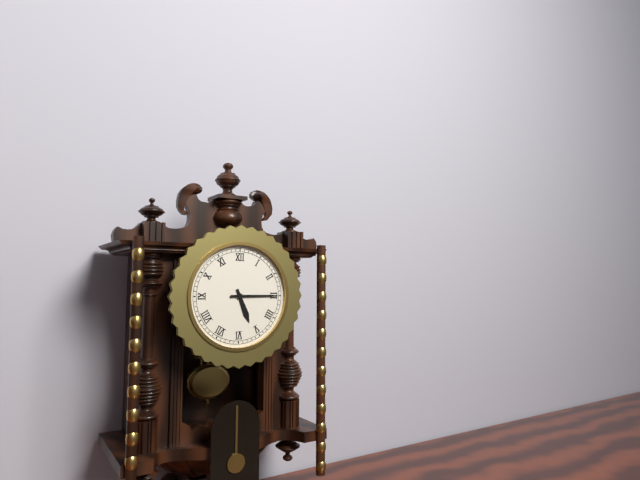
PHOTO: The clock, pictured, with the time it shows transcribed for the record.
5:15
